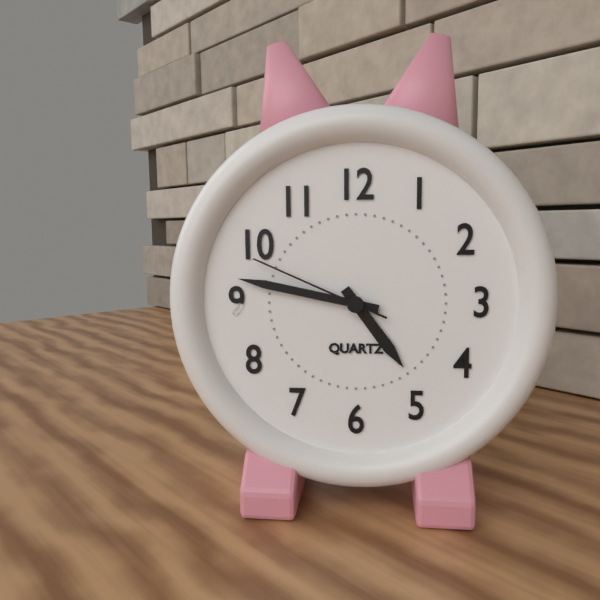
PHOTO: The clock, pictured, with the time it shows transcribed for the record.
4:47:49
